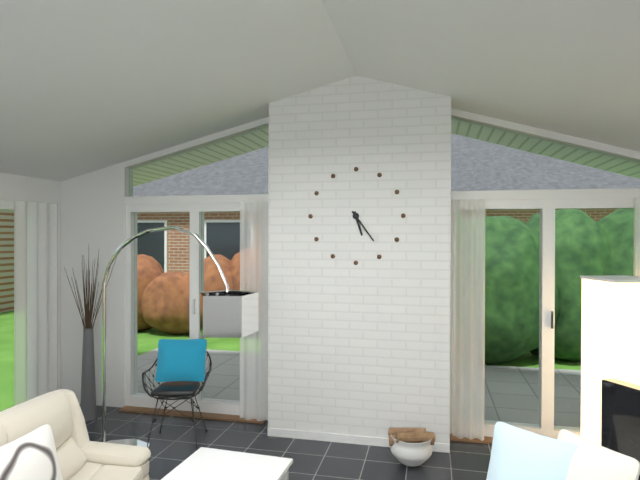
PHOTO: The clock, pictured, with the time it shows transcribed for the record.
5:24
